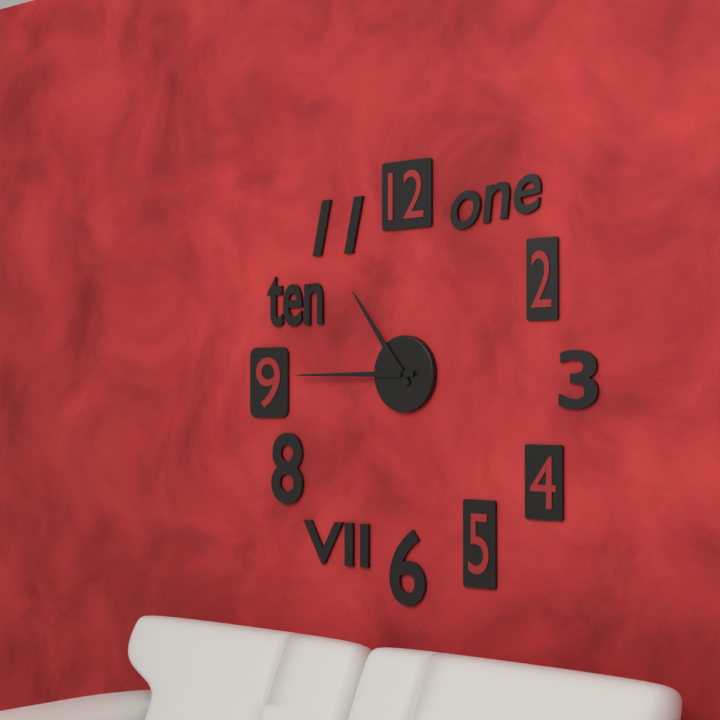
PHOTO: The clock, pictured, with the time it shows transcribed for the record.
10:45
